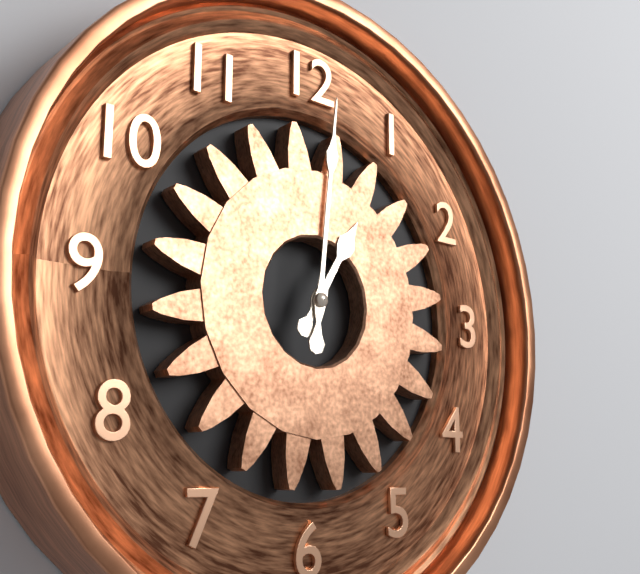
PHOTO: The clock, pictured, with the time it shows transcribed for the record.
1:01
